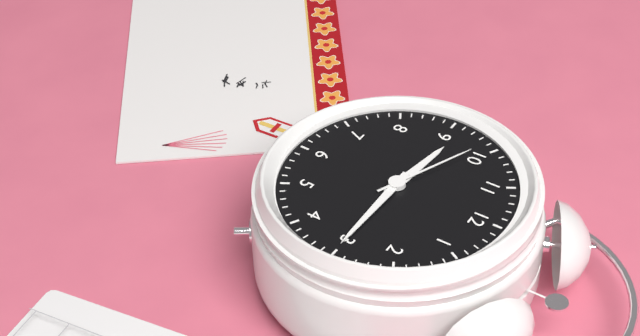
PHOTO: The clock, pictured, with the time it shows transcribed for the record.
9:15:49
